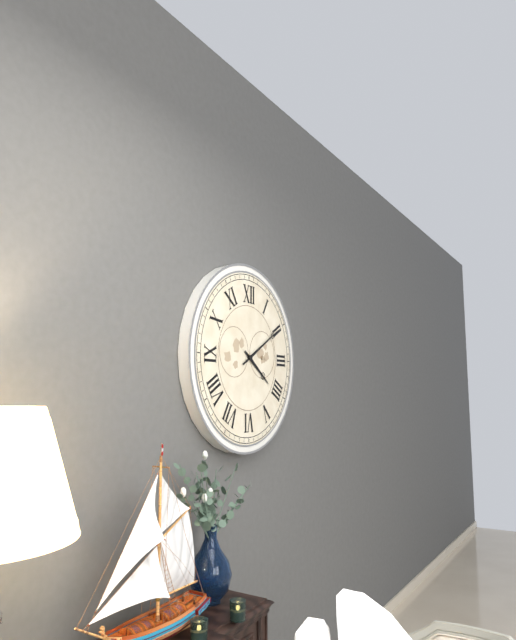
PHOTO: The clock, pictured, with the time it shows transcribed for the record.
4:10
